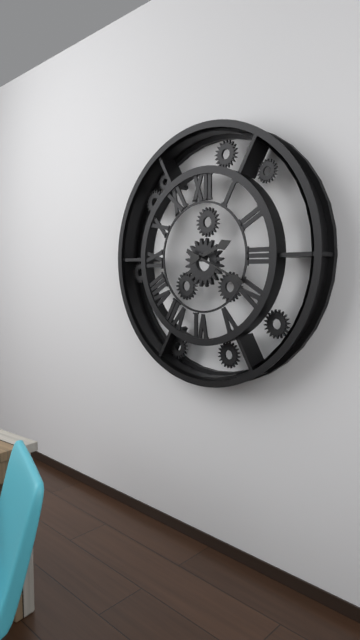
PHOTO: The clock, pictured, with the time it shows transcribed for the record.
2:19
